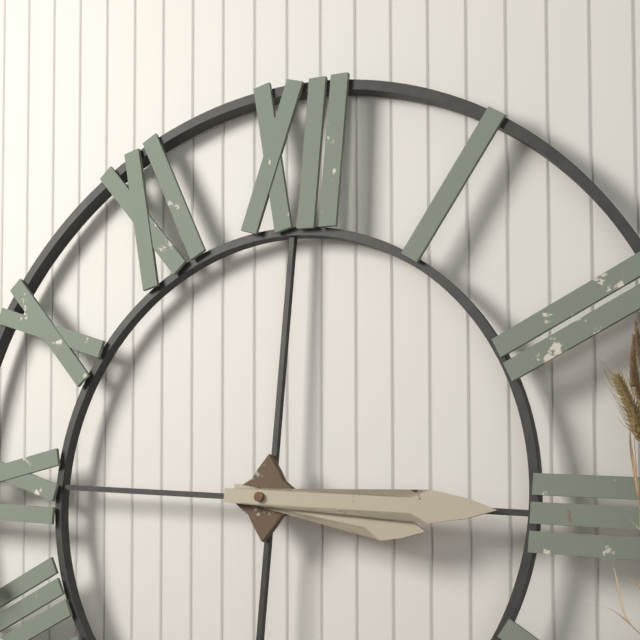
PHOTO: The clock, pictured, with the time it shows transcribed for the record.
3:15
